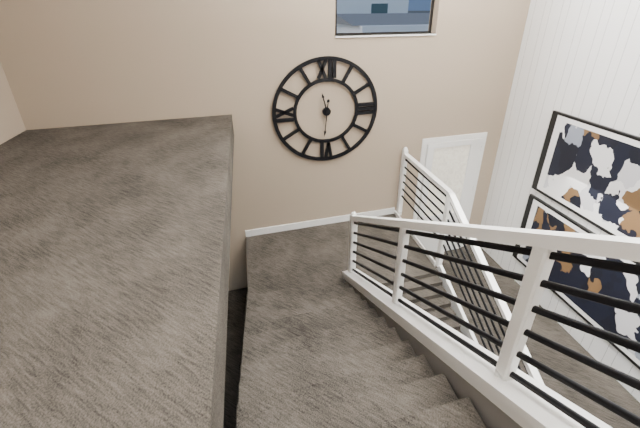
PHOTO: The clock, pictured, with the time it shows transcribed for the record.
11:31
